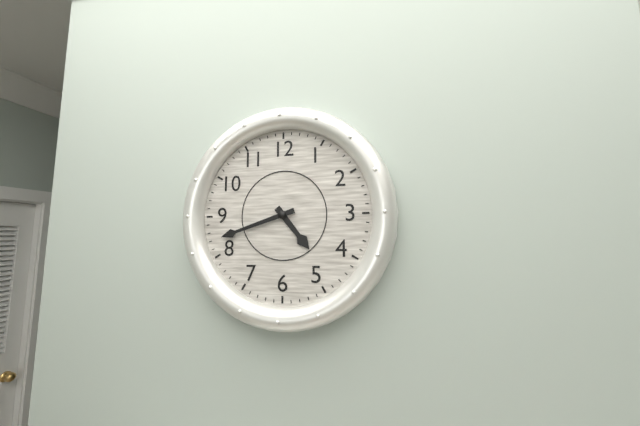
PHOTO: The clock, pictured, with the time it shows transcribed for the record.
4:42
